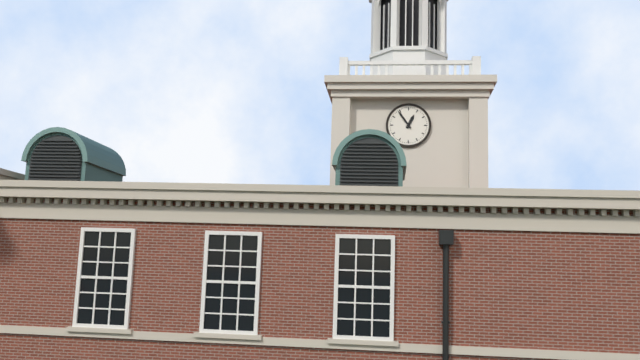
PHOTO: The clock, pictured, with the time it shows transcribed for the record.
12:54
